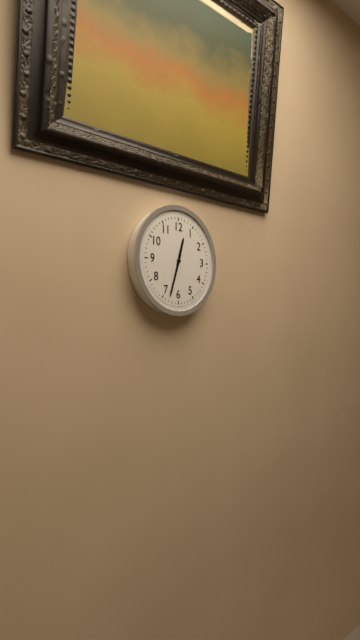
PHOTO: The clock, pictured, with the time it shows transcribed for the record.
12:33
